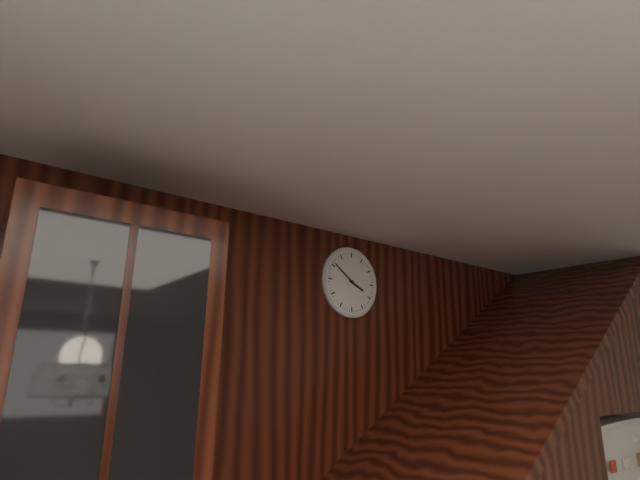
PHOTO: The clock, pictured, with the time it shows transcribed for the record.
3:51
